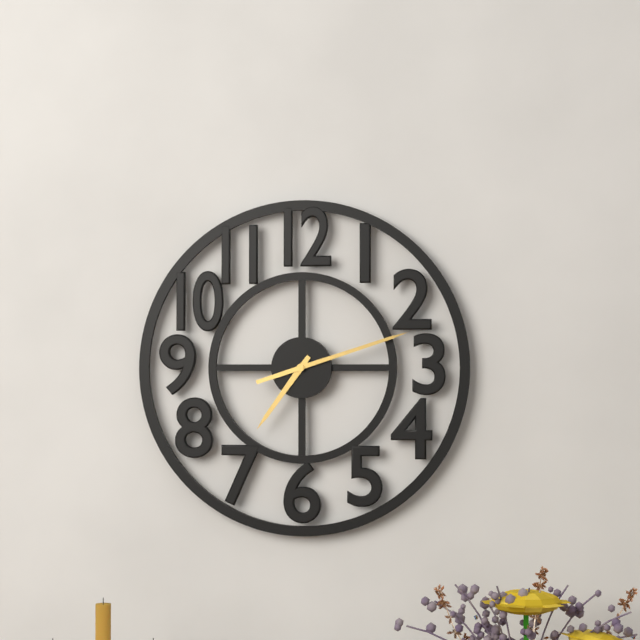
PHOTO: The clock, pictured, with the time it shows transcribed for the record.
7:12
